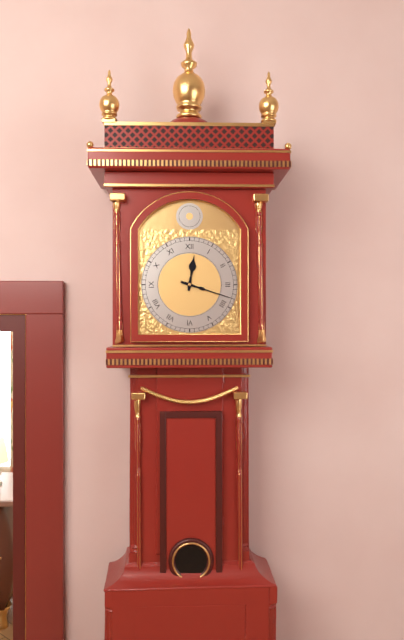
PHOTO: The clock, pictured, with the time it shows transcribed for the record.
12:18
